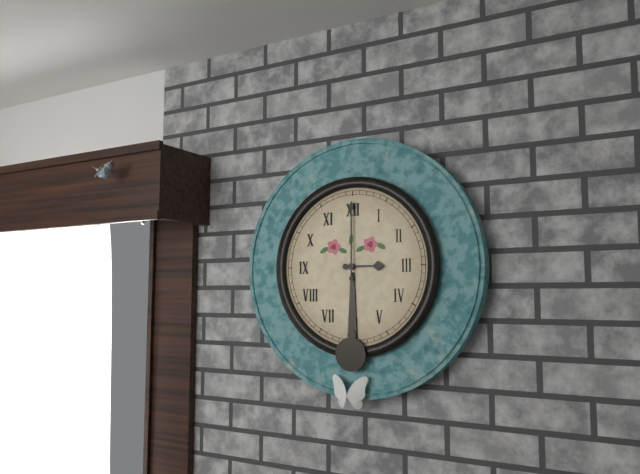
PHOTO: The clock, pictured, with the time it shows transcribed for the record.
3:00
